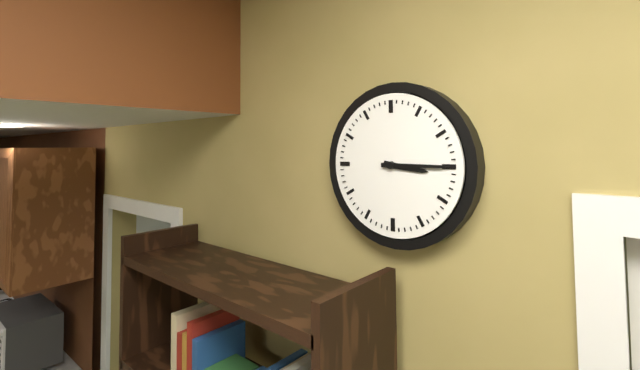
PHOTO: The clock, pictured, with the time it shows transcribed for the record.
3:15
